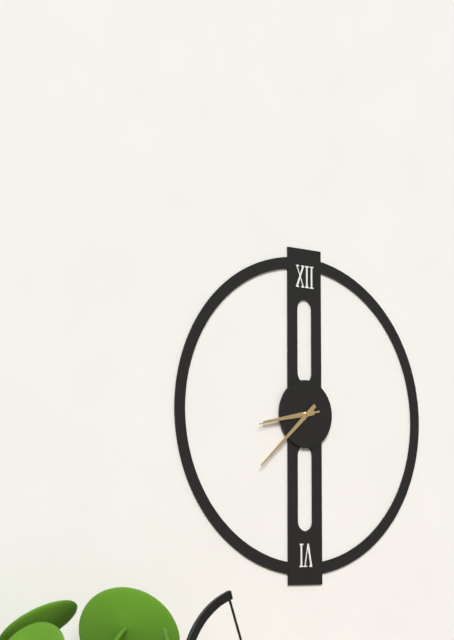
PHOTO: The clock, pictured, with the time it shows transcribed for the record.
8:38:43
